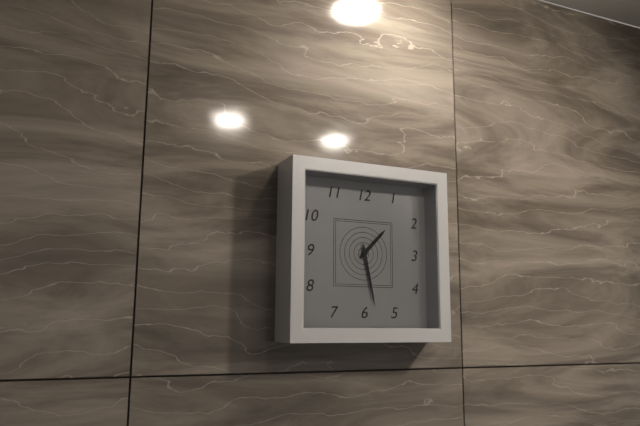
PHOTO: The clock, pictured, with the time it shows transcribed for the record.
1:28
